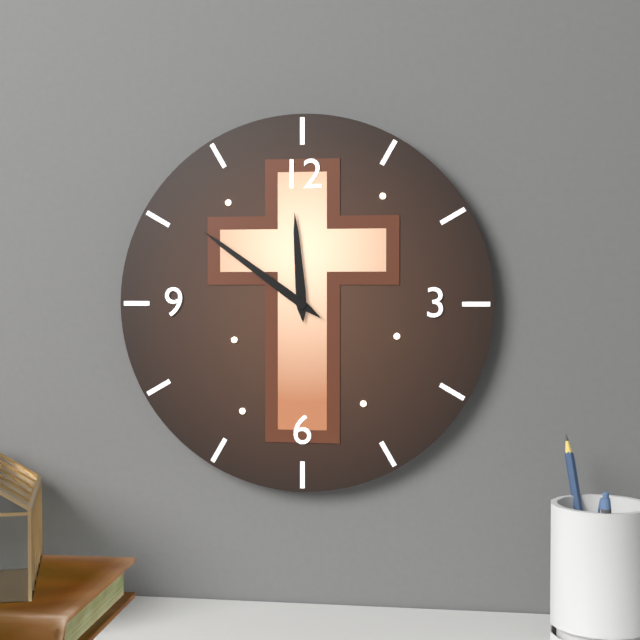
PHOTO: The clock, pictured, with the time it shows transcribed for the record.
11:51
